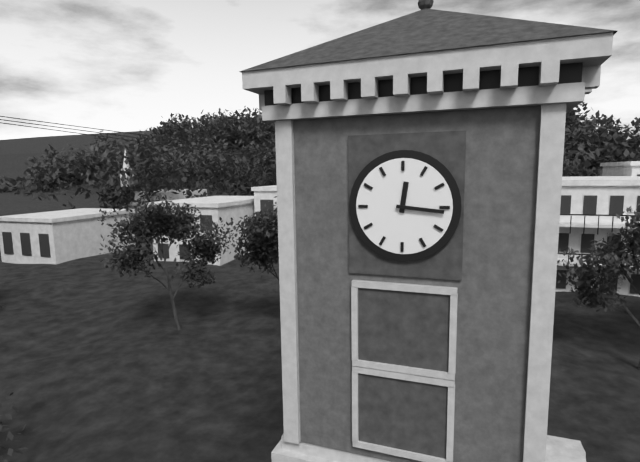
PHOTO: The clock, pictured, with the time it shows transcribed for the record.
12:16
